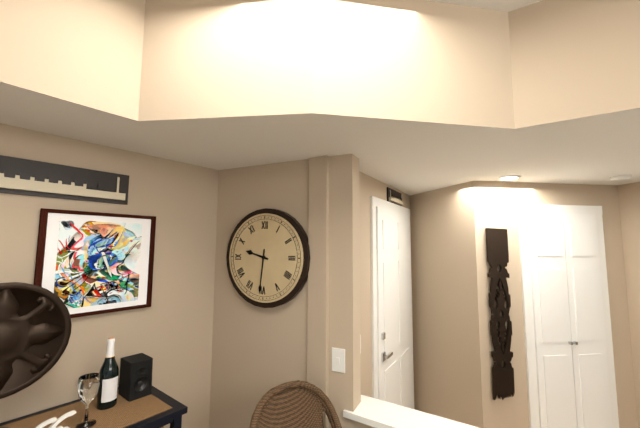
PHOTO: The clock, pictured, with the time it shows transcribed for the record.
9:31
